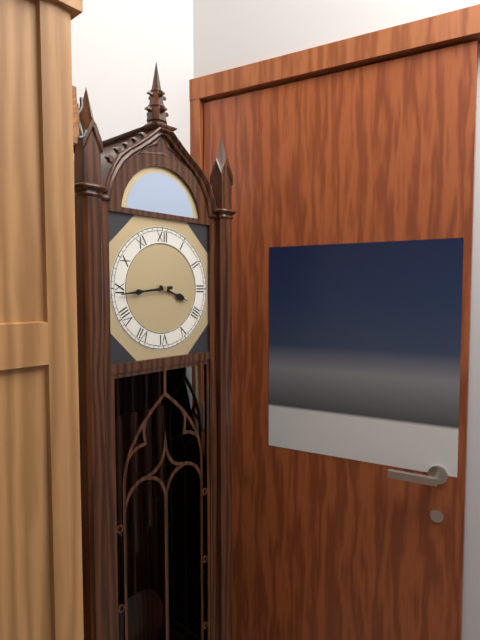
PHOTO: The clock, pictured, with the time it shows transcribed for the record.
3:44
